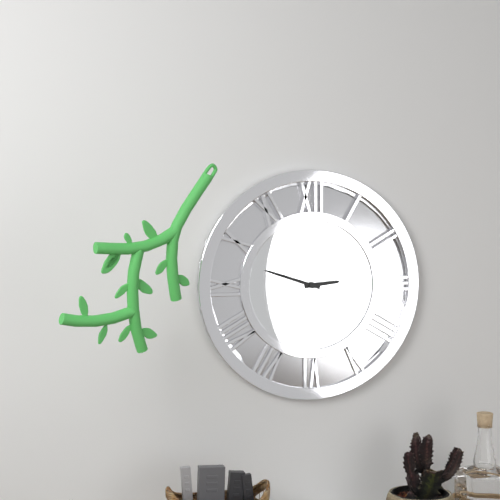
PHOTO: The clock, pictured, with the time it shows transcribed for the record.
2:48
